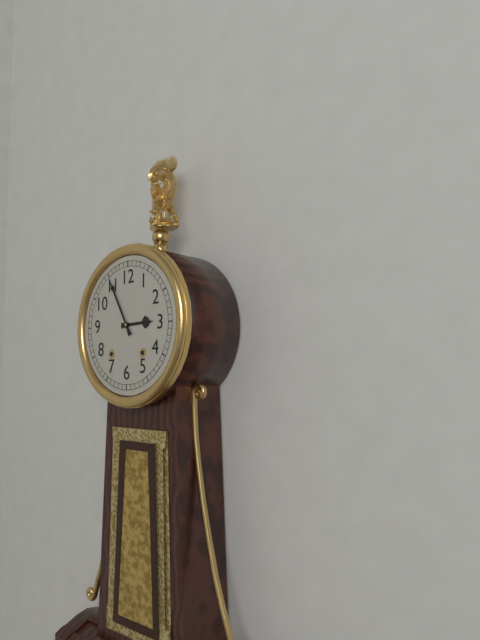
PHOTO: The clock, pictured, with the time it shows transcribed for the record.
2:55
